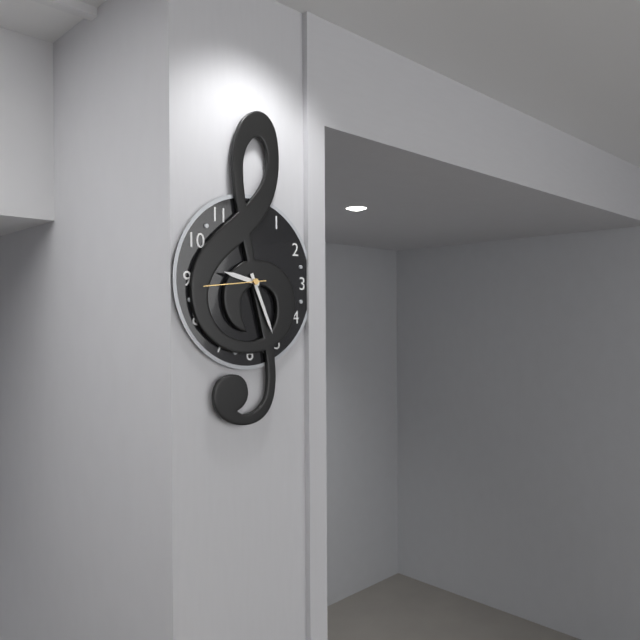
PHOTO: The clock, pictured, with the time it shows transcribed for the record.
9:26:44
